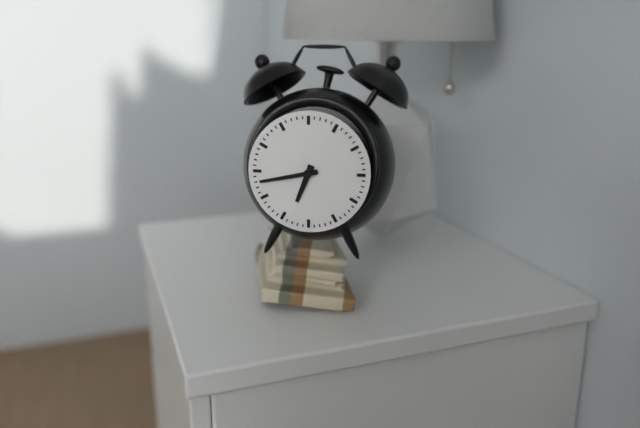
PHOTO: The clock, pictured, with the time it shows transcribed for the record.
6:43
